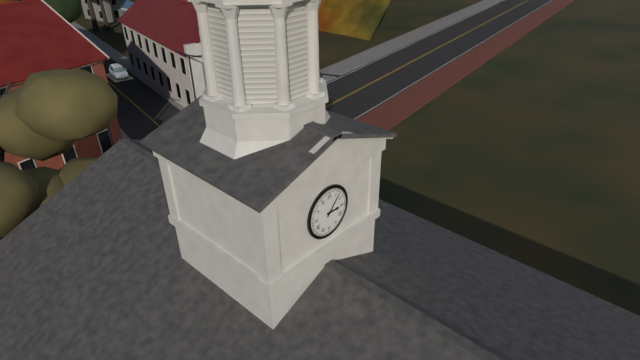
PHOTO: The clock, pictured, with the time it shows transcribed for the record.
3:07
